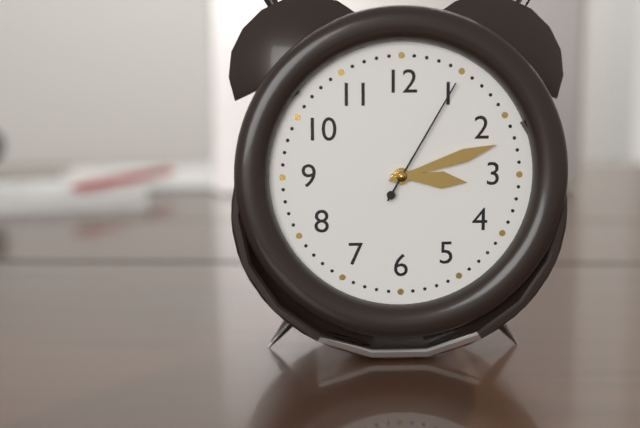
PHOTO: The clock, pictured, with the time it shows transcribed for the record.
3:12:05
